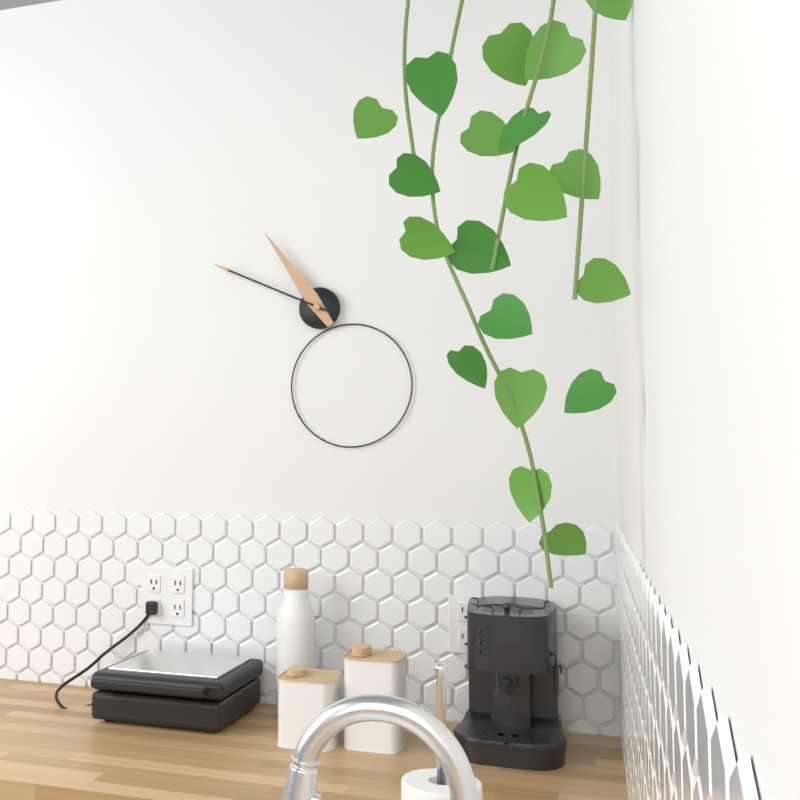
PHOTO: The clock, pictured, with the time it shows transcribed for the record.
10:49
